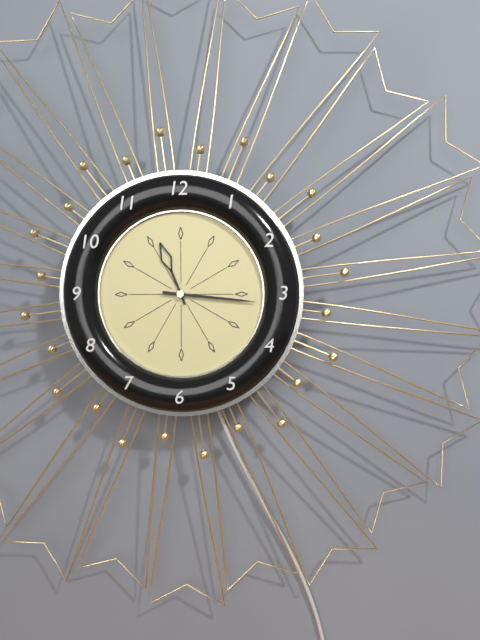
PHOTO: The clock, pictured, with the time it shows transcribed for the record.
11:16
